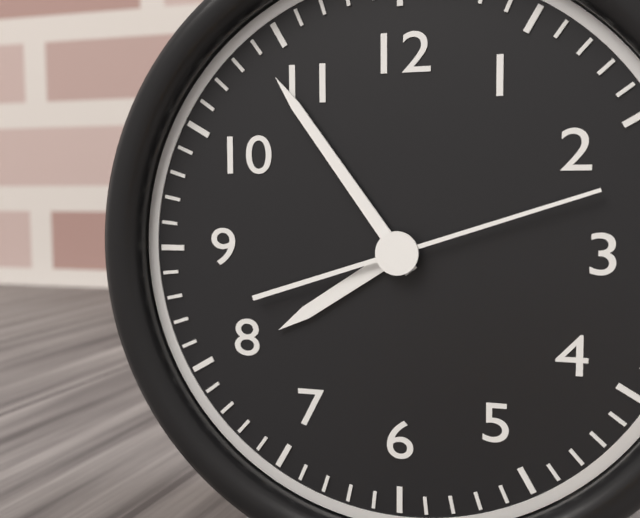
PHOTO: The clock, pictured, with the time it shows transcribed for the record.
7:54:12
